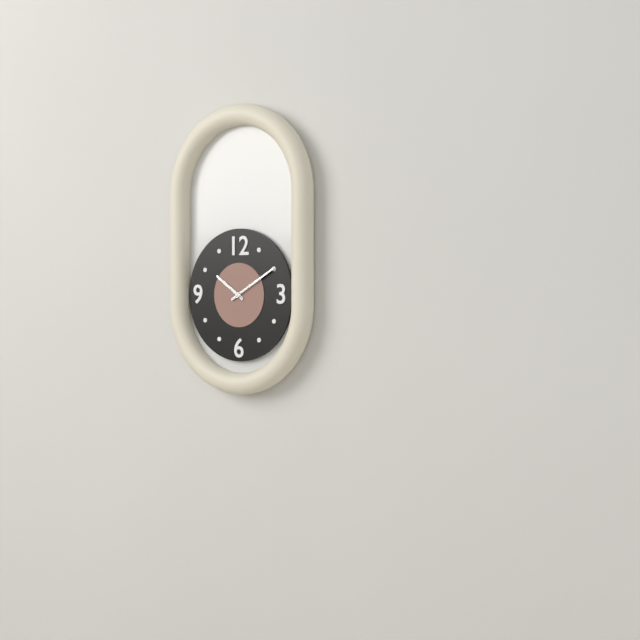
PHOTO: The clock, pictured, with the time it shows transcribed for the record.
10:10
